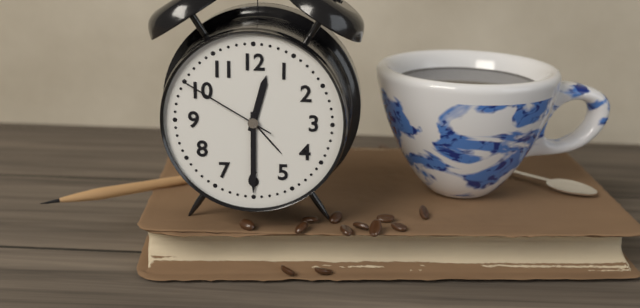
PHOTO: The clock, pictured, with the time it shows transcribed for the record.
12:30:50
